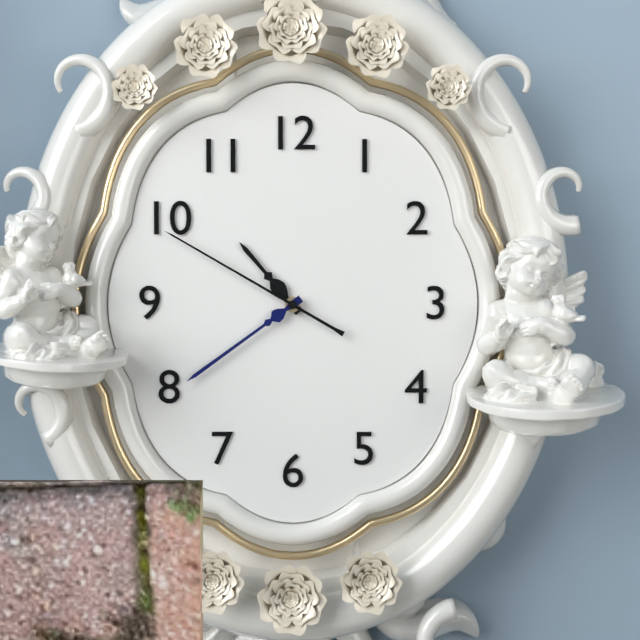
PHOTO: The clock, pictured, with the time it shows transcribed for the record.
10:39:50
